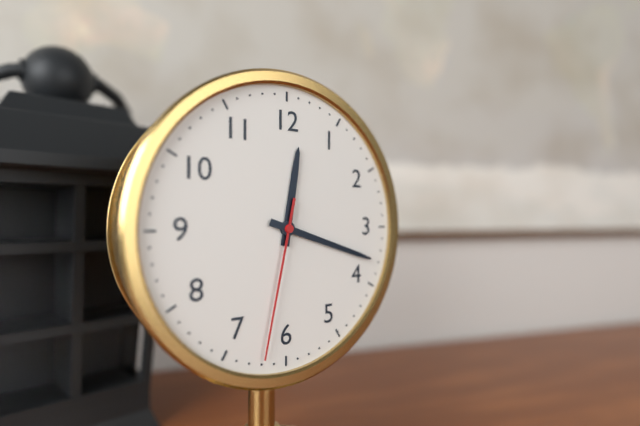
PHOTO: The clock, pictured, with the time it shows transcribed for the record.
12:18:32
